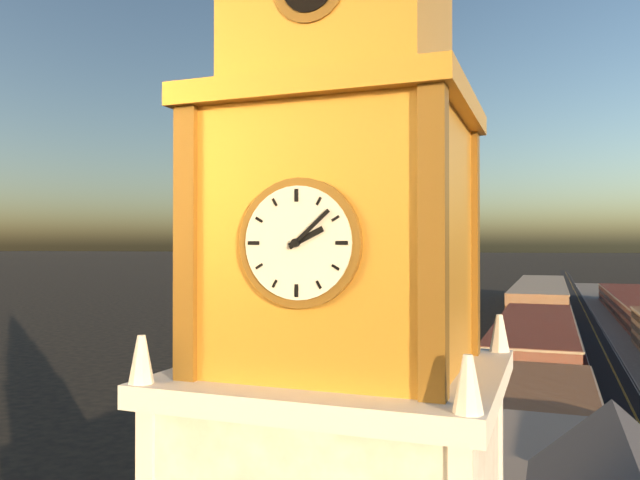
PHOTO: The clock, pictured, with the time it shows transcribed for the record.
2:08
